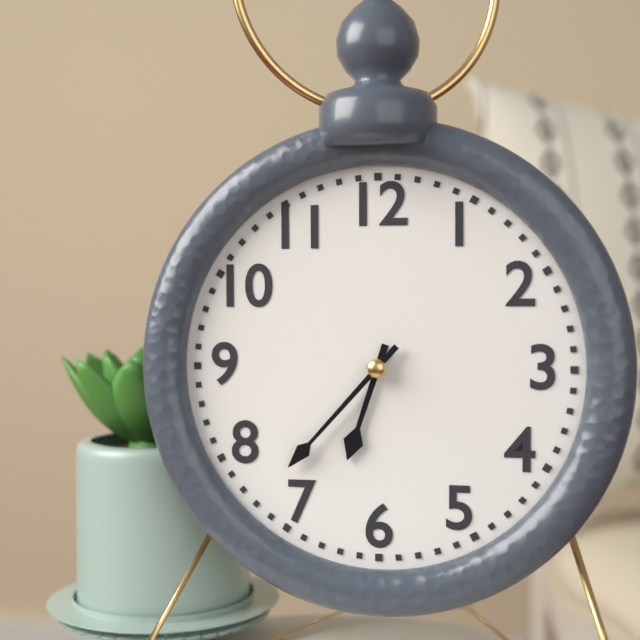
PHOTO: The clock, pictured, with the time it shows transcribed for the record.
6:37
